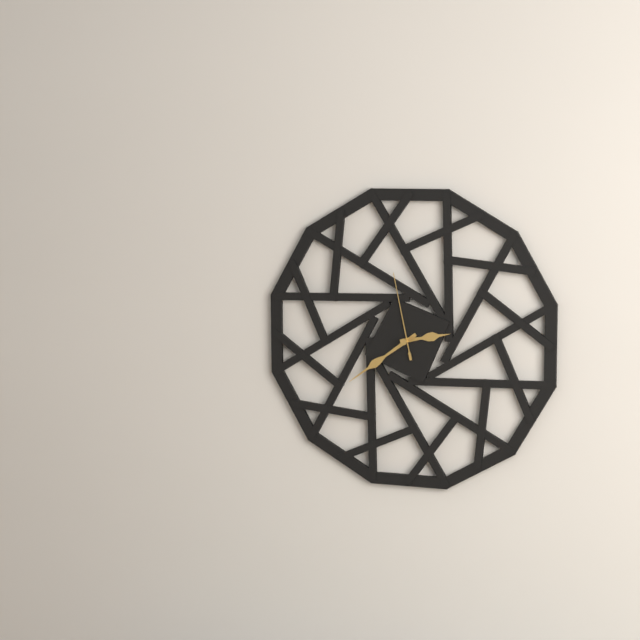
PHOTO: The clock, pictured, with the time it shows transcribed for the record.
2:39:58
